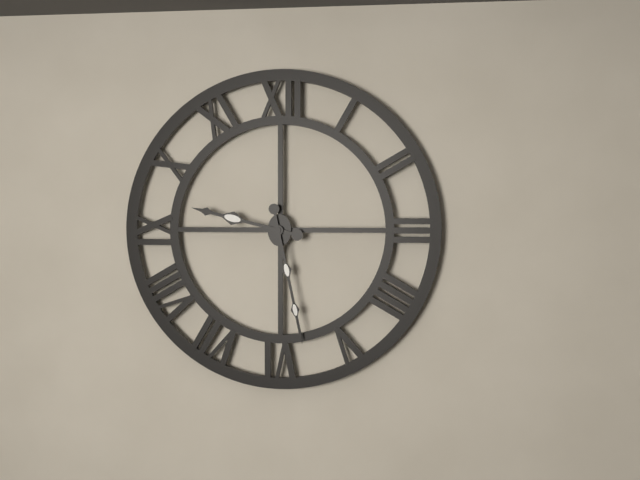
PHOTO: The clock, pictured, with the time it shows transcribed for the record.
9:28
